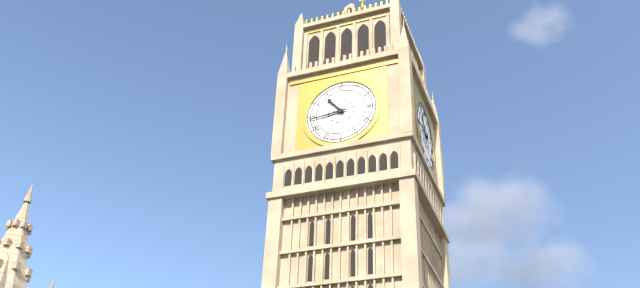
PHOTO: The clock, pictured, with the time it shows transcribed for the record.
10:44
